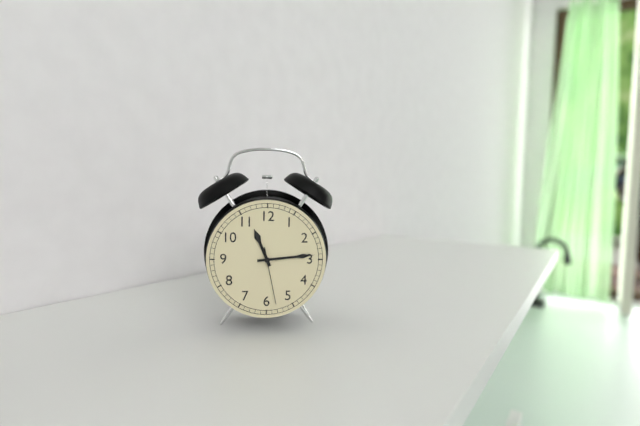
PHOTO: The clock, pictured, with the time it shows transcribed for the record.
11:14:28
